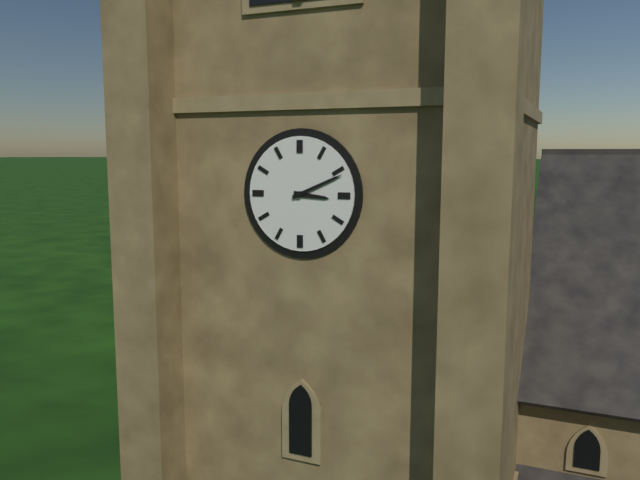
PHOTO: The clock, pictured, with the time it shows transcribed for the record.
3:11
